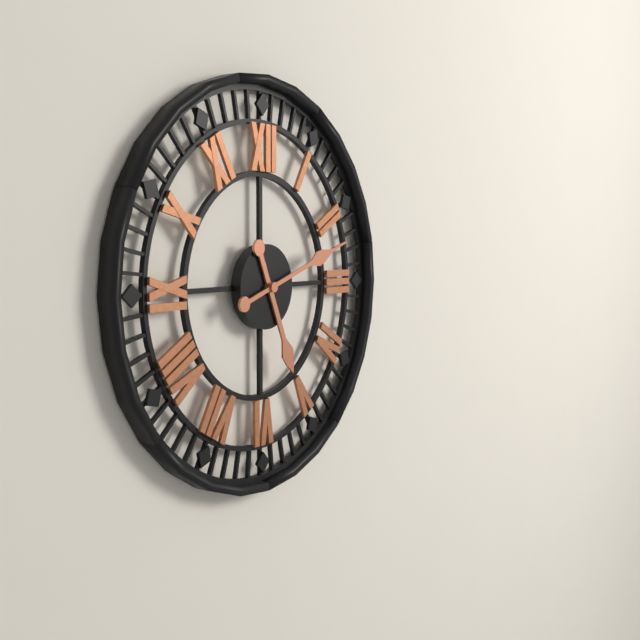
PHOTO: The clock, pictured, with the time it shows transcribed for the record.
5:12
